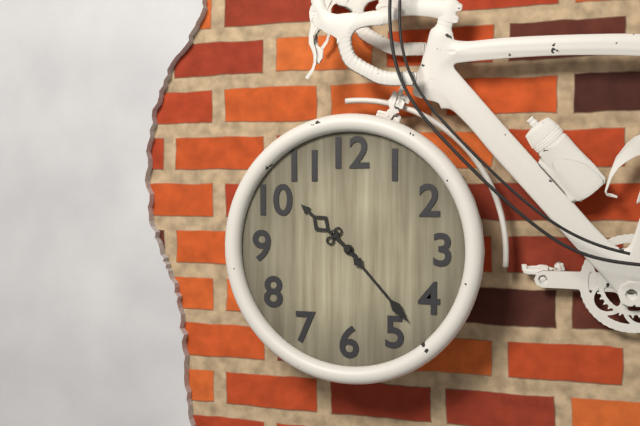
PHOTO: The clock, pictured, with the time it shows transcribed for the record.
10:23
